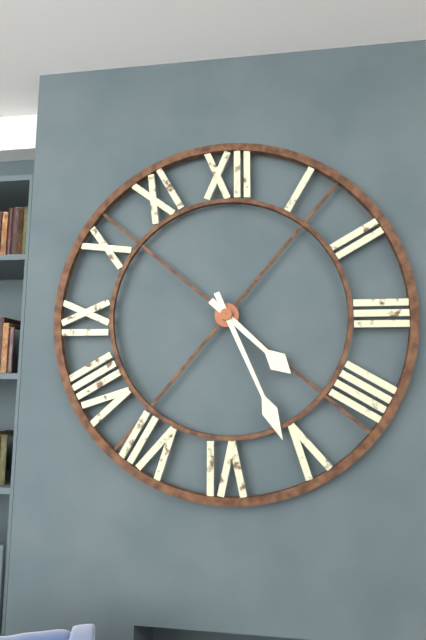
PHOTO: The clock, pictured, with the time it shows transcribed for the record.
4:26
